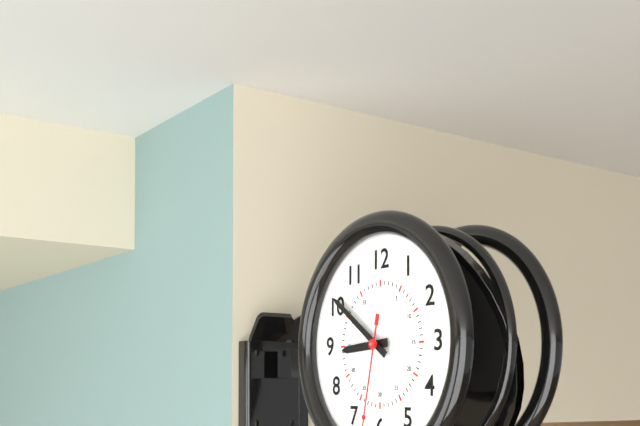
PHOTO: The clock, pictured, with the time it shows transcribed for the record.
8:51
